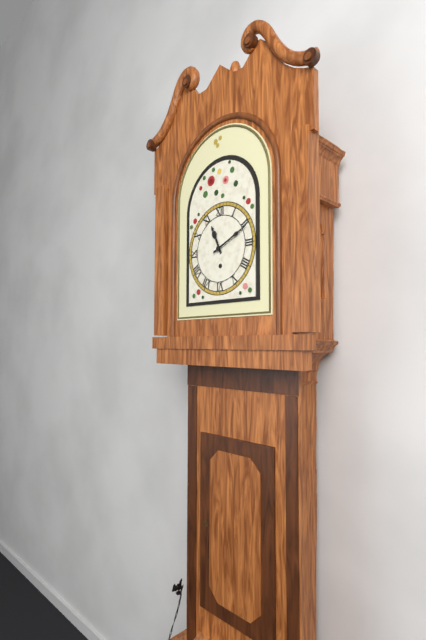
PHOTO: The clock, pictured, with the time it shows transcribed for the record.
11:11
